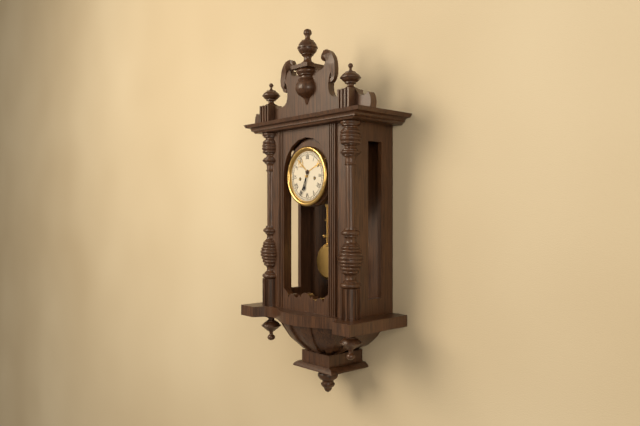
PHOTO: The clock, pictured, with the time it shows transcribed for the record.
6:34
